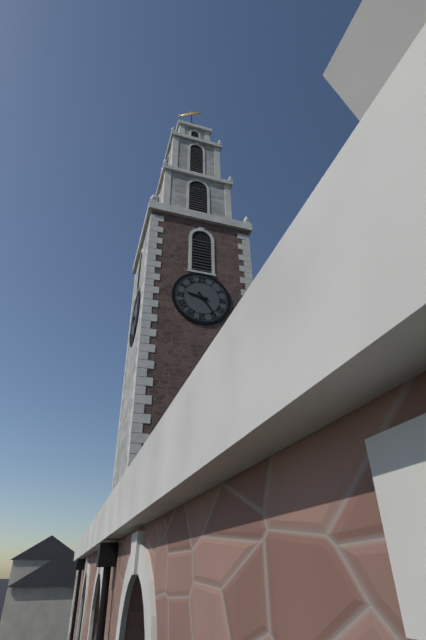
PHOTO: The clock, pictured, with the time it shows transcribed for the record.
9:24
